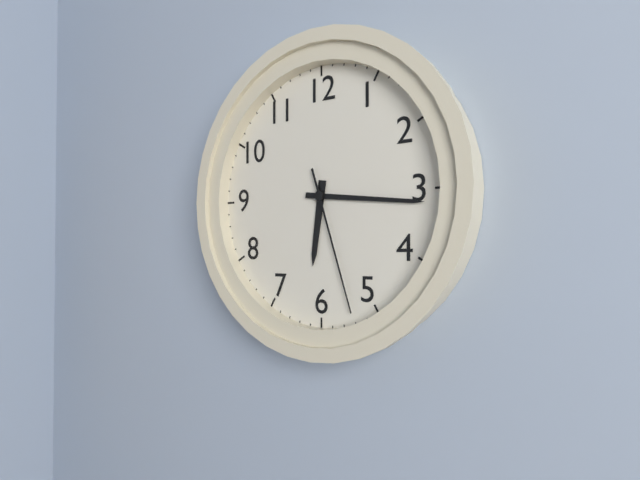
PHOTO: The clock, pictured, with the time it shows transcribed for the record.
6:16:27
